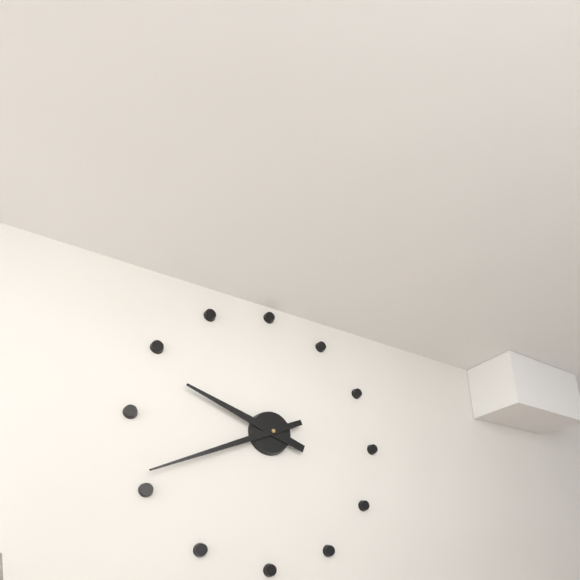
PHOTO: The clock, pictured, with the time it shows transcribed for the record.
9:41
